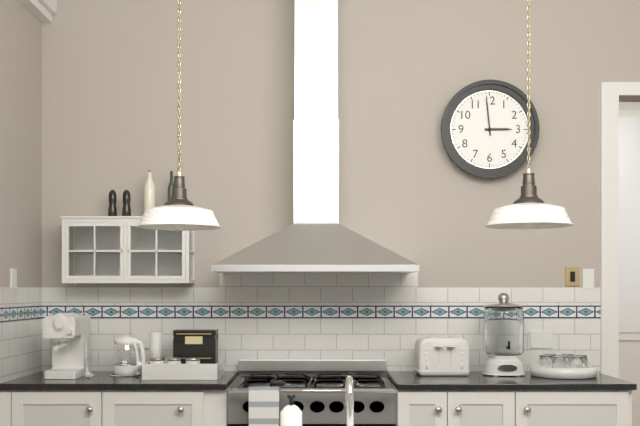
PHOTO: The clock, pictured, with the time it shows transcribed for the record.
2:59
